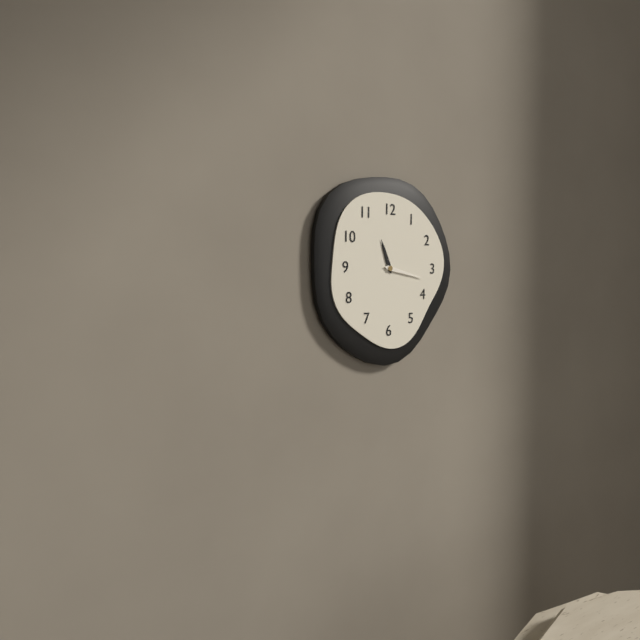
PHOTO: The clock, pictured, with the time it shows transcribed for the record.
11:17
